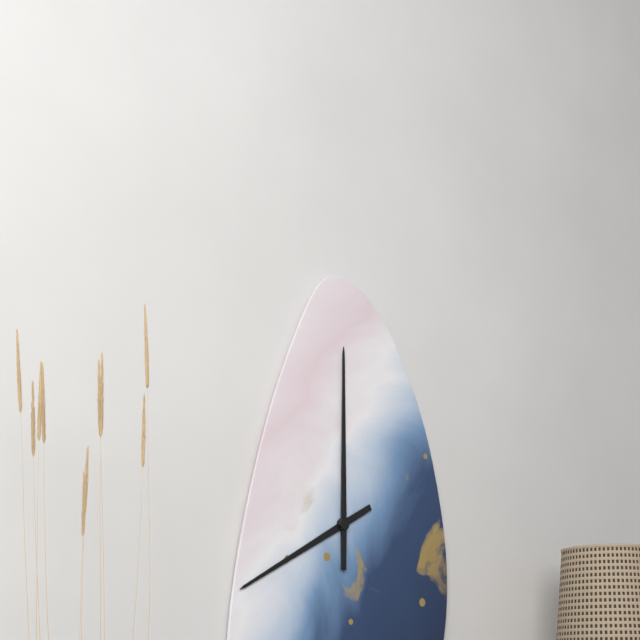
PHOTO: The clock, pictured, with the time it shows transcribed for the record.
8:00
